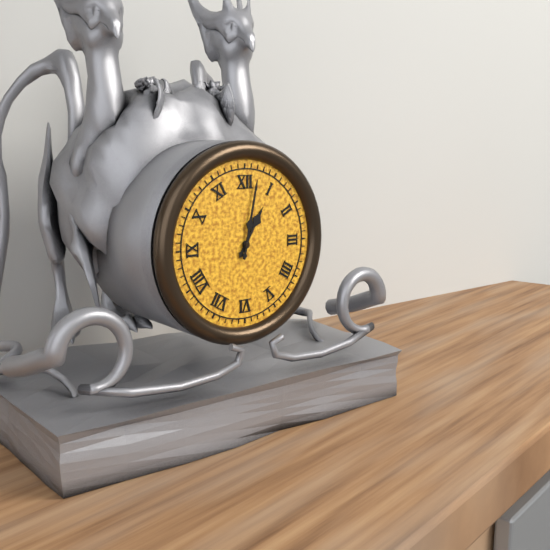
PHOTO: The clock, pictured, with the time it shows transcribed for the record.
1:02
